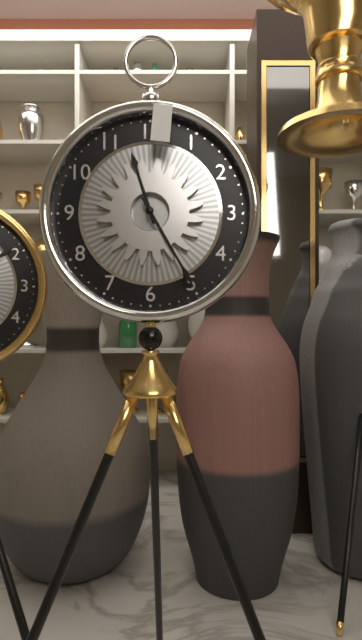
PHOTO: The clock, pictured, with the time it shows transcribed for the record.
11:25
